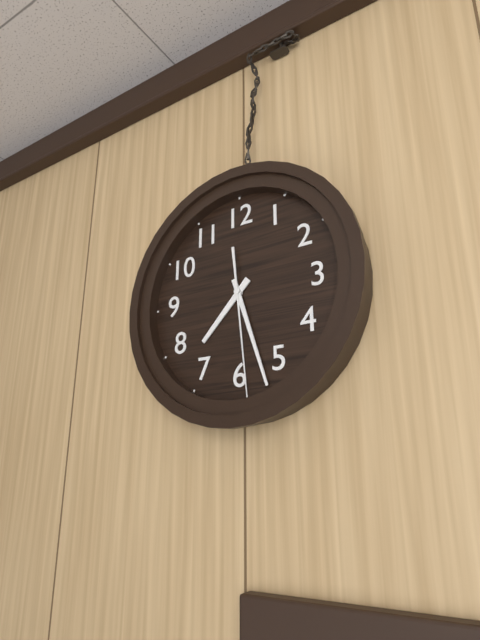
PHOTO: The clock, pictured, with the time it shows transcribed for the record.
7:27:29
